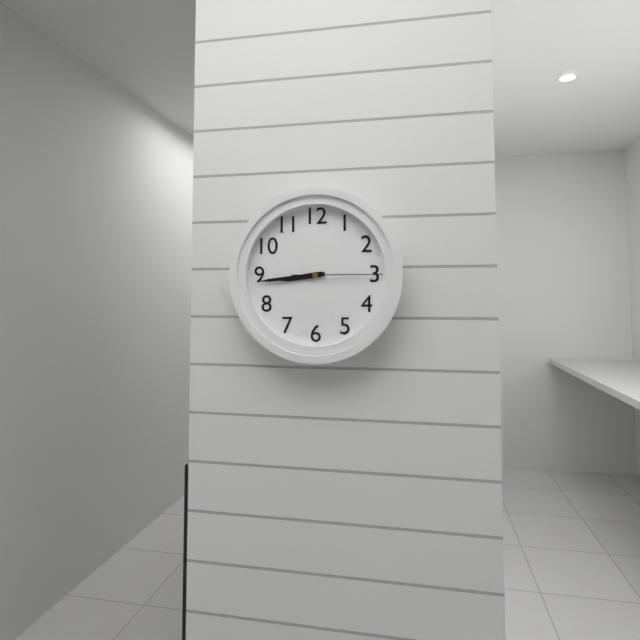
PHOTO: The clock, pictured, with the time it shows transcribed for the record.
8:44:15
